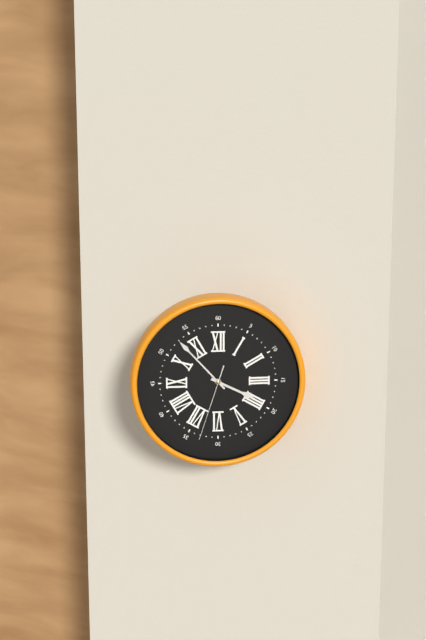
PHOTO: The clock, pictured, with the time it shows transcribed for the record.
3:53:33
